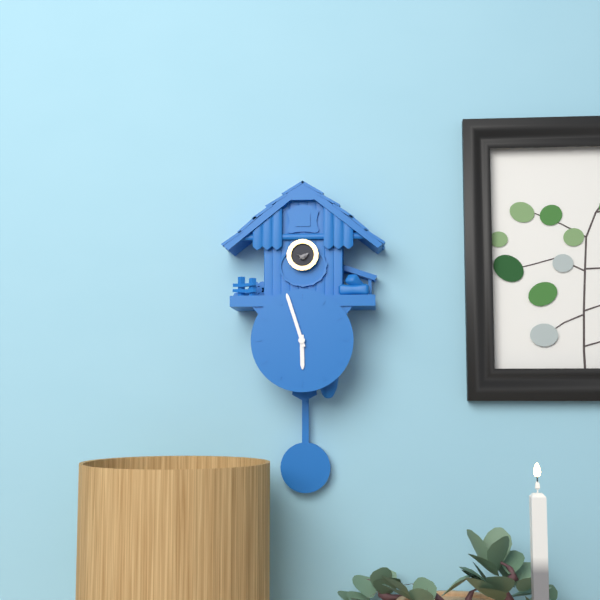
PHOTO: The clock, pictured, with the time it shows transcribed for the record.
5:57
